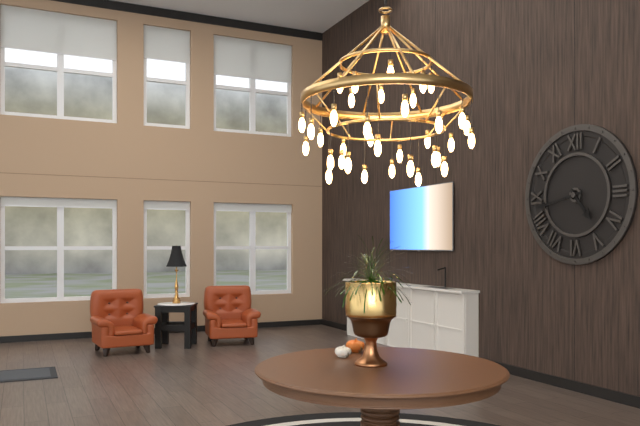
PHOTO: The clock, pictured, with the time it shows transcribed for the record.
4:43
